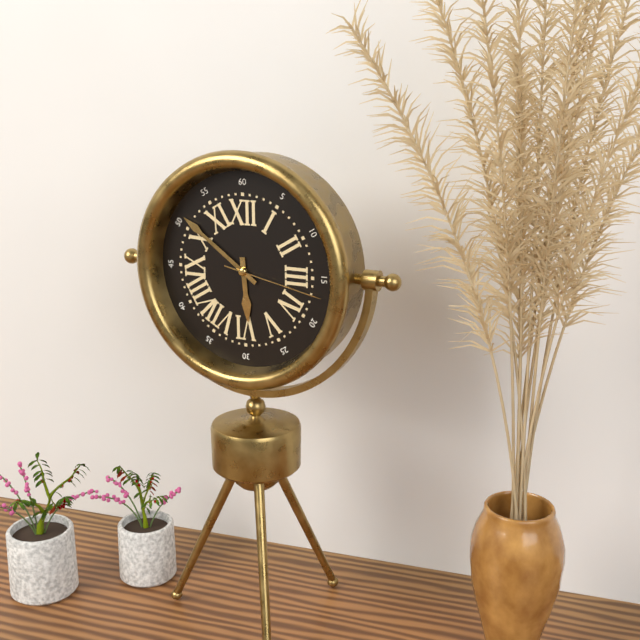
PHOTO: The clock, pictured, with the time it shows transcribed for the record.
5:51:17
